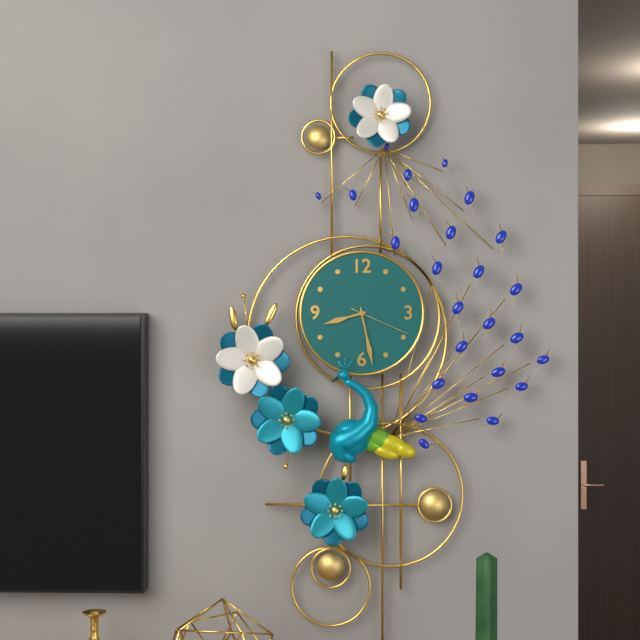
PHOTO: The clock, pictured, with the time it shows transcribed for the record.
8:28:19
